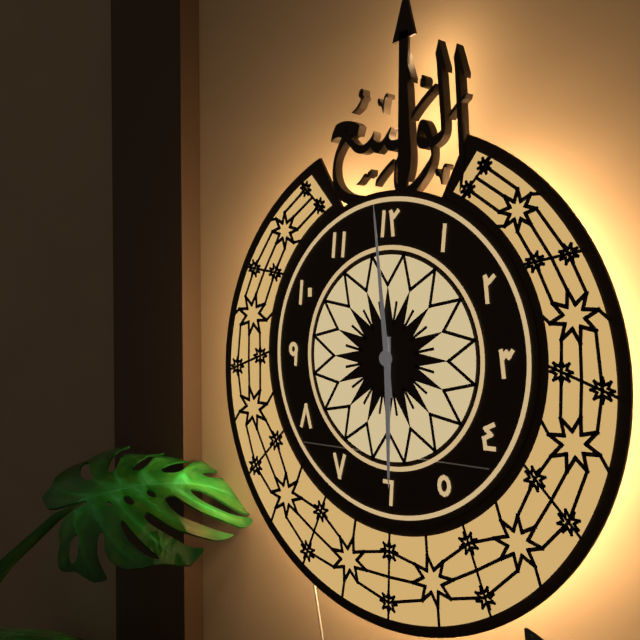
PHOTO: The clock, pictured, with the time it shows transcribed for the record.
5:59
